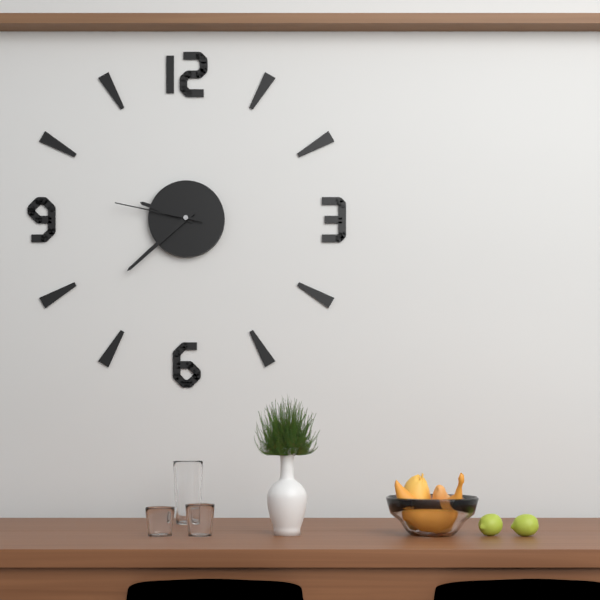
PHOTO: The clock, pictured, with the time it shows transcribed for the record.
9:38:47
